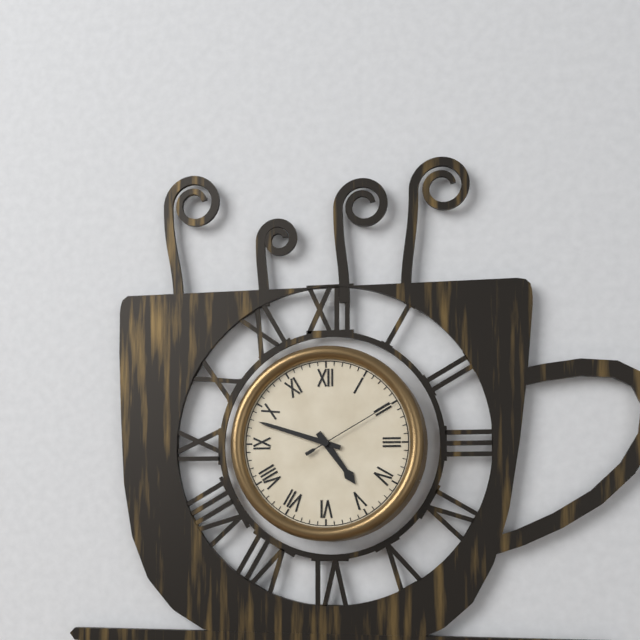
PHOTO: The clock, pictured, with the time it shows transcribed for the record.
4:48:10
